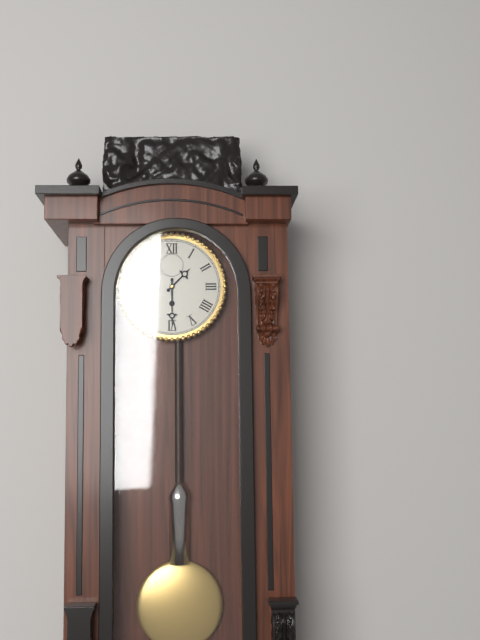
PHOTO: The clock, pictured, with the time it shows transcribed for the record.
1:30
